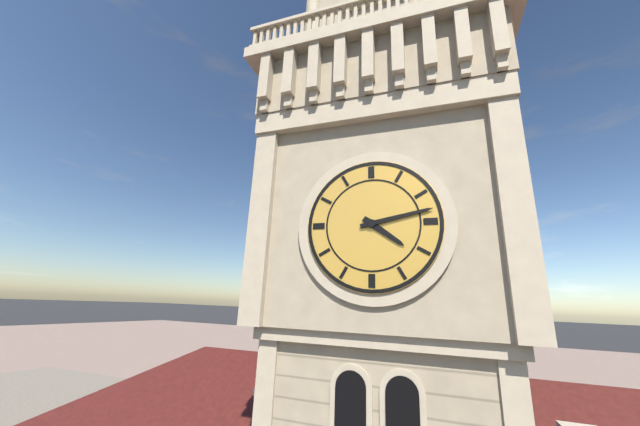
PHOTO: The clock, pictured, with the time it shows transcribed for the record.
4:13
